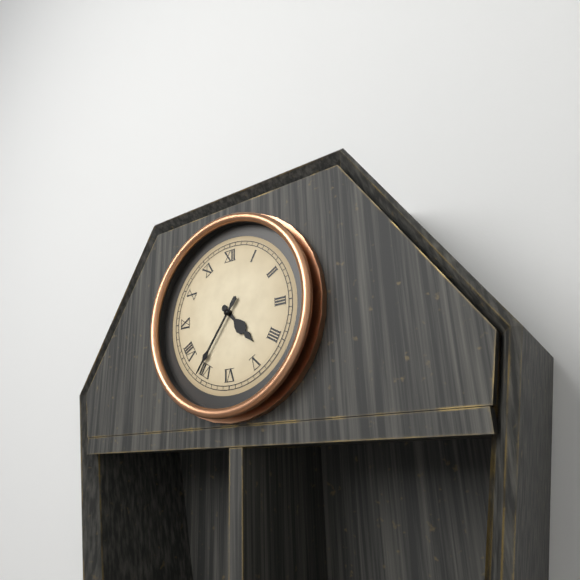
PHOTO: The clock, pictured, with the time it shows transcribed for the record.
4:36
